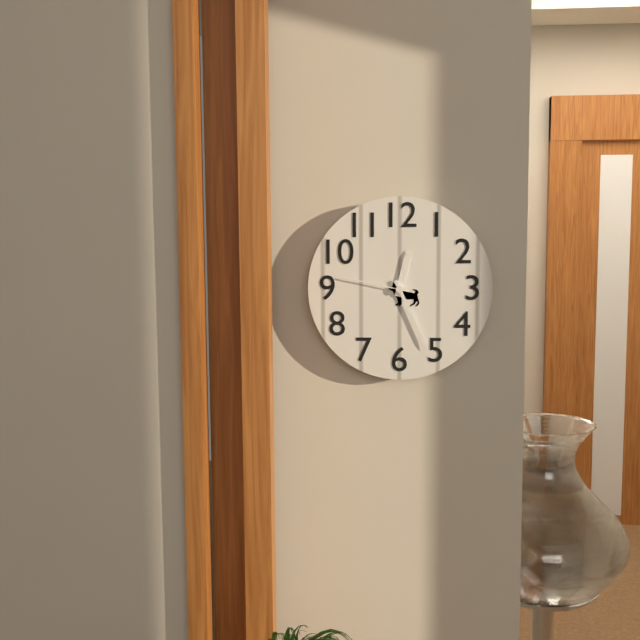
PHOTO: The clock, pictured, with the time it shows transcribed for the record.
12:26:47
